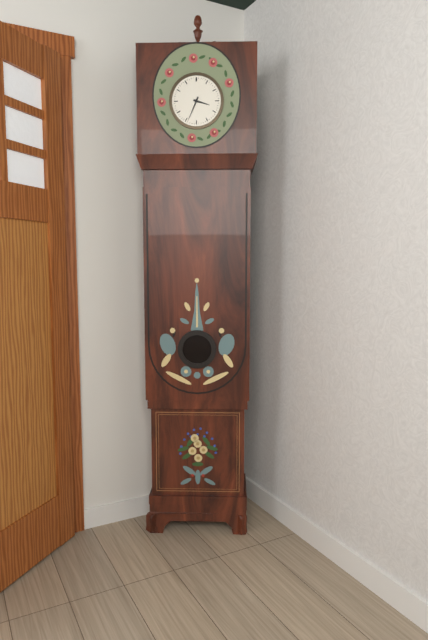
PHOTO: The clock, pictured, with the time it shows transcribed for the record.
3:34
